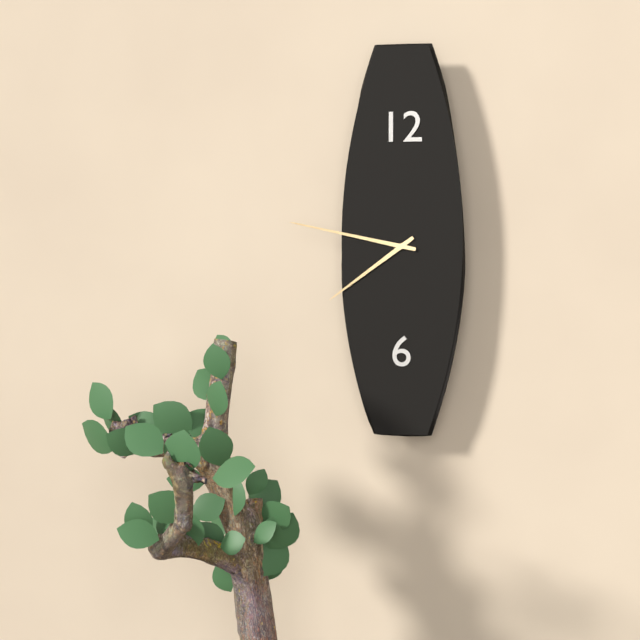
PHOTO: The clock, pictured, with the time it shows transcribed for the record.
7:47
